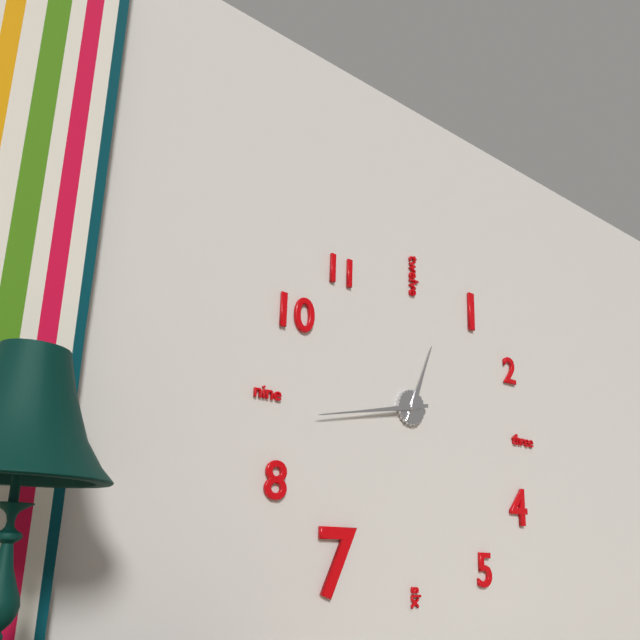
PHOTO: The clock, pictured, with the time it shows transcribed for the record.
12:43
